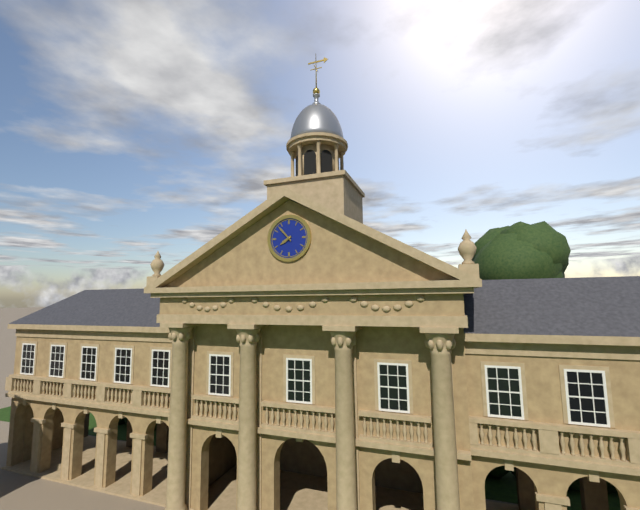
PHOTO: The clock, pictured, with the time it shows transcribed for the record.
7:53
